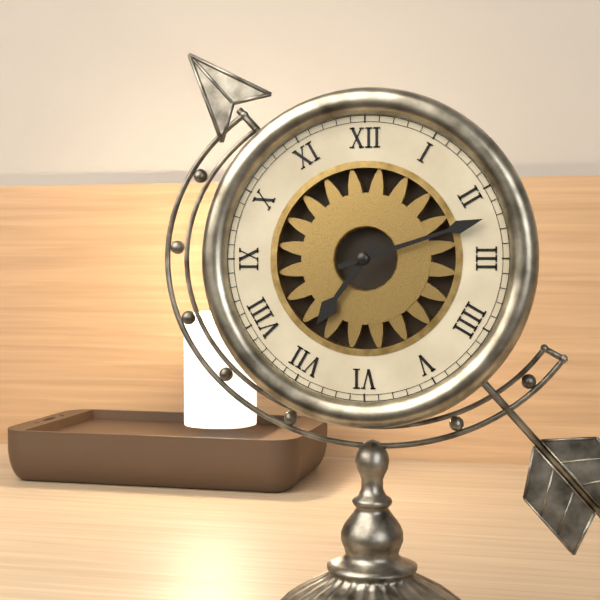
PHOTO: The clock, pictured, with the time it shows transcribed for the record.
7:12
